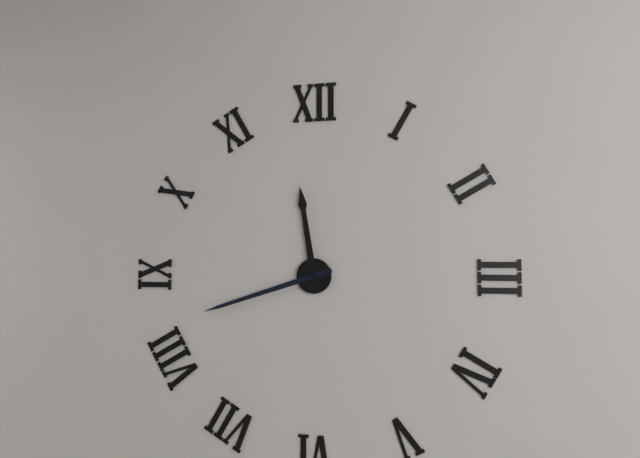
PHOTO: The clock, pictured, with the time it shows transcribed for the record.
11:42
